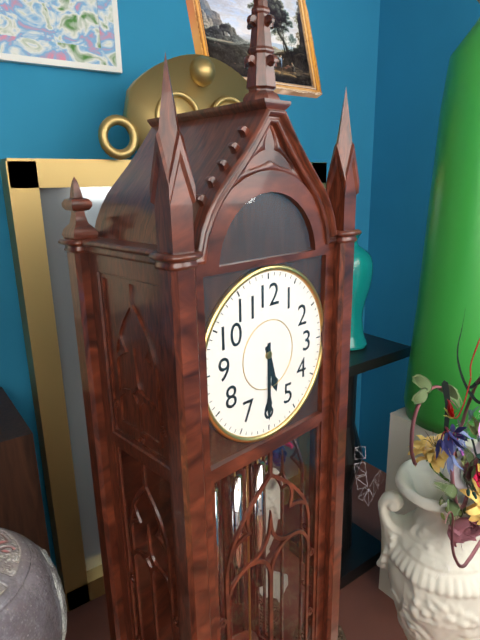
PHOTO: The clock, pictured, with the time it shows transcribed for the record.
5:30
